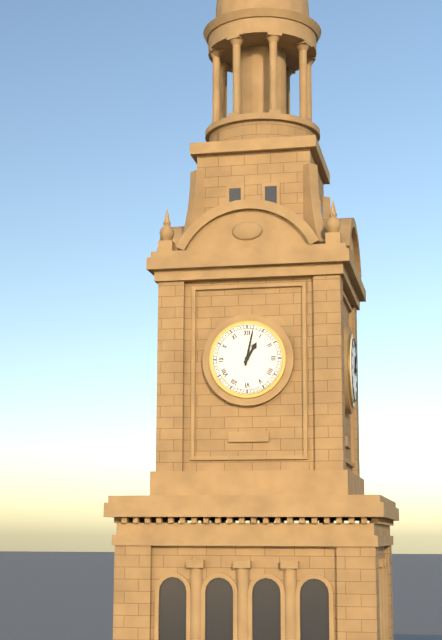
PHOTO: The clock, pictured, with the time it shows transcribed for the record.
1:02
